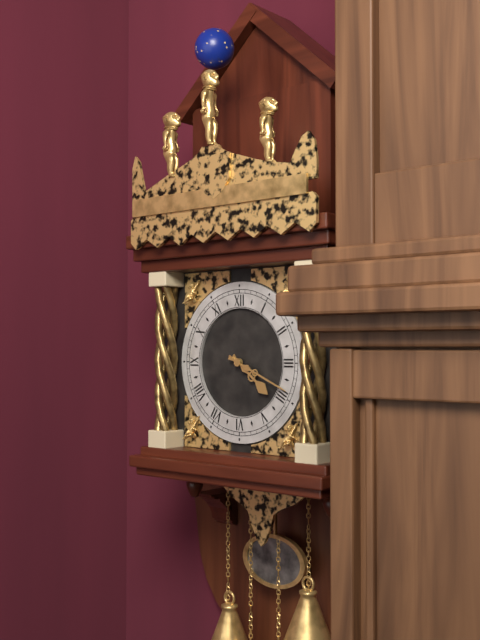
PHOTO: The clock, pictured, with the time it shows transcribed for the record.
4:19
